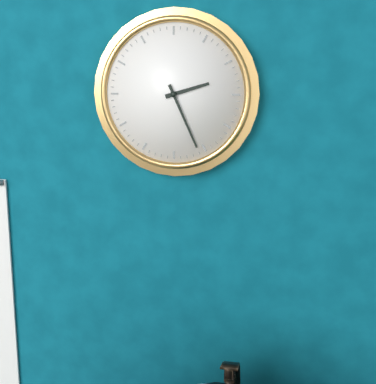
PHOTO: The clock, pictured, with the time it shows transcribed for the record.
2:26
